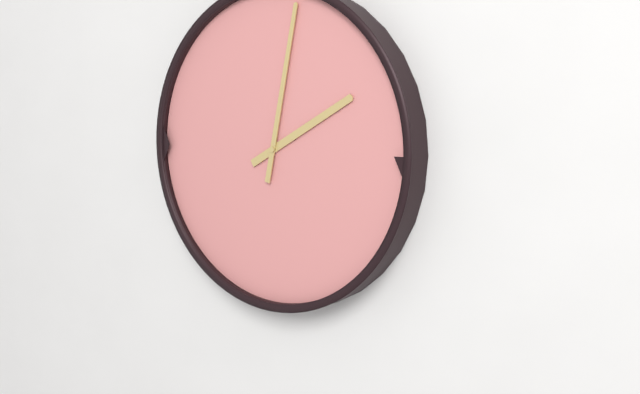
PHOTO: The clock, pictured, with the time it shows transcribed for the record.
2:02
